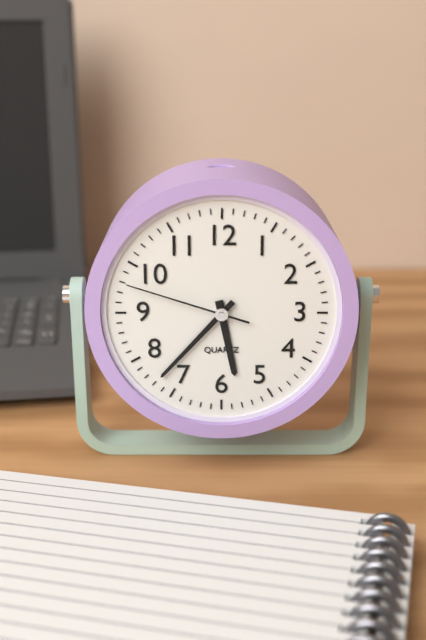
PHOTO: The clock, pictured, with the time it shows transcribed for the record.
5:37:48
